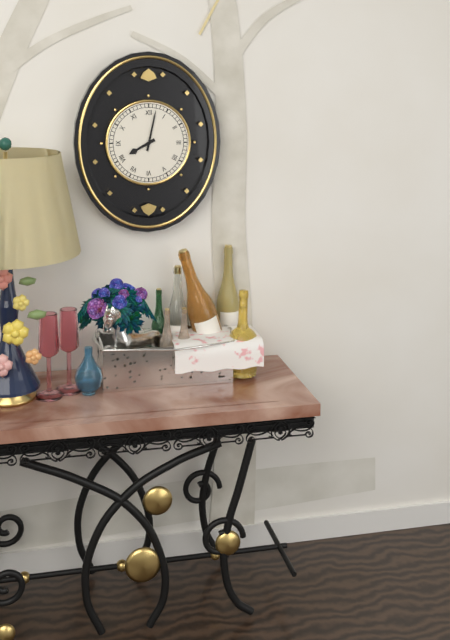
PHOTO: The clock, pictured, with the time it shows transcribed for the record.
8:02
